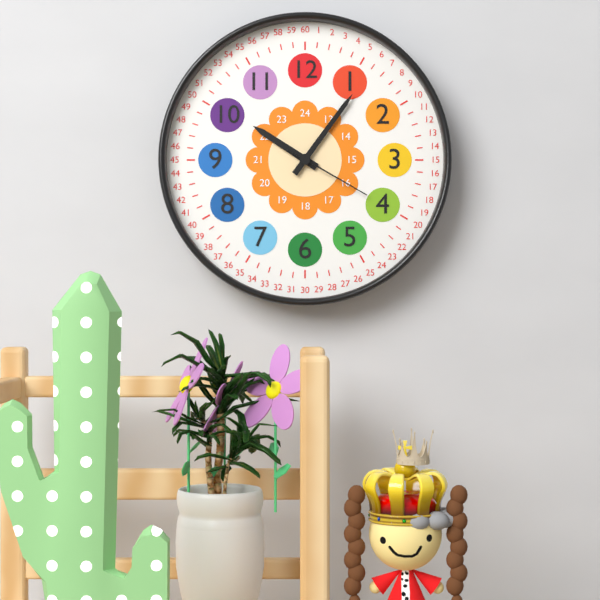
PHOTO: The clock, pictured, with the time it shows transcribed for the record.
10:06:20
